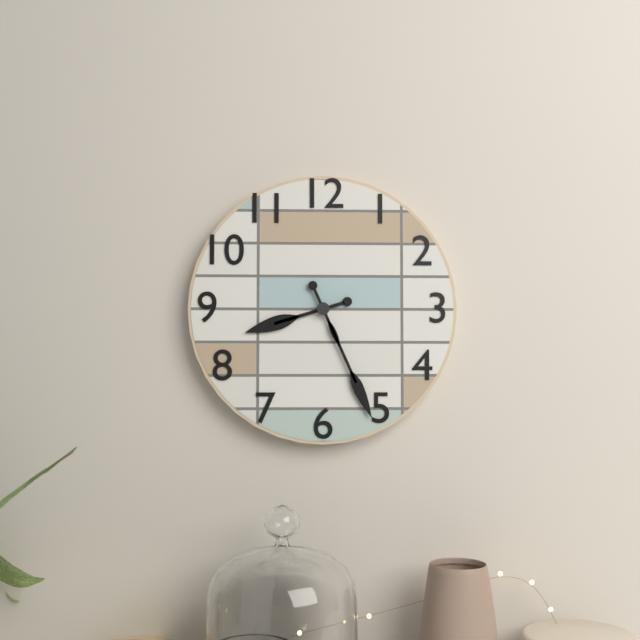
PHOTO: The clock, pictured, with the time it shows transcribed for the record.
8:26
